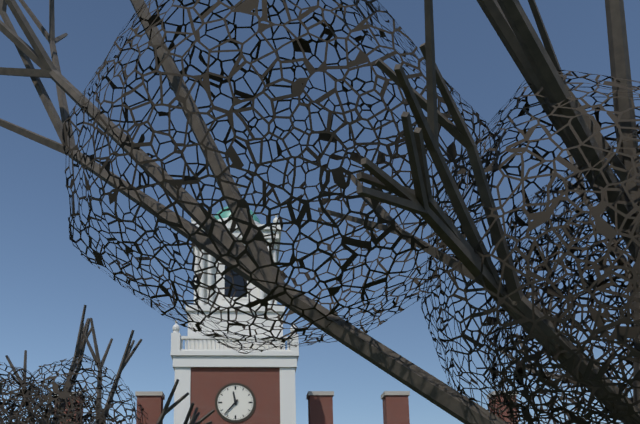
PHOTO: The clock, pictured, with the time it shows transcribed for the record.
11:37
